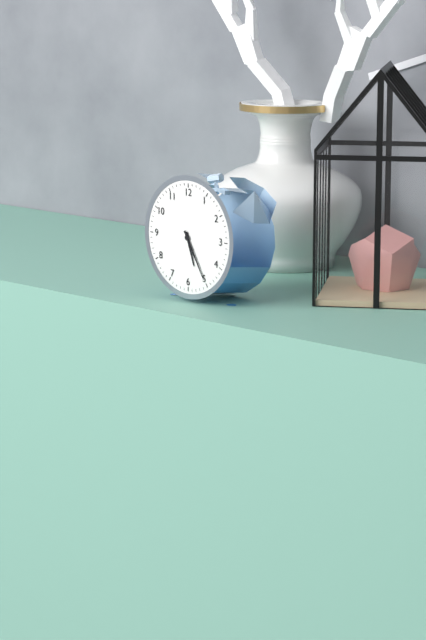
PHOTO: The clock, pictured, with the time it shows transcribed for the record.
5:25
